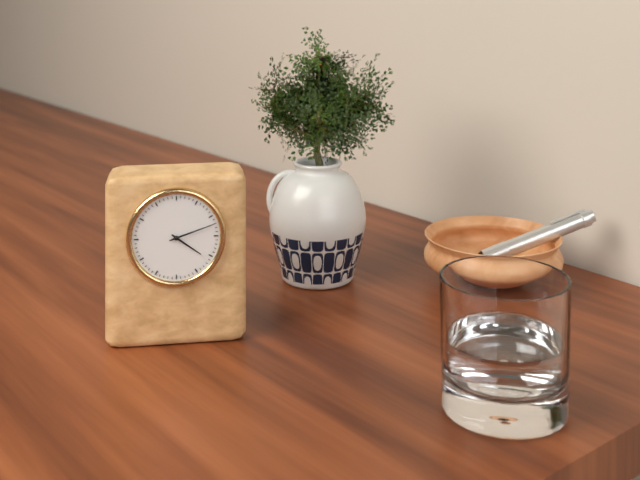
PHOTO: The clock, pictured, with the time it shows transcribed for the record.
4:12
